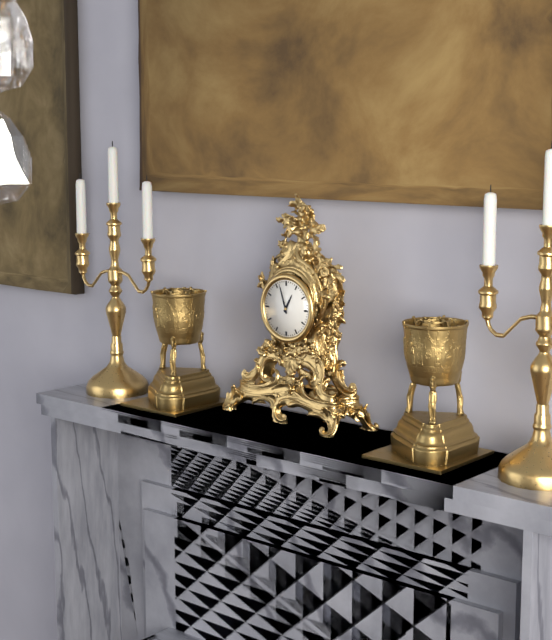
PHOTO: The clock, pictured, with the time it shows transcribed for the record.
12:57
